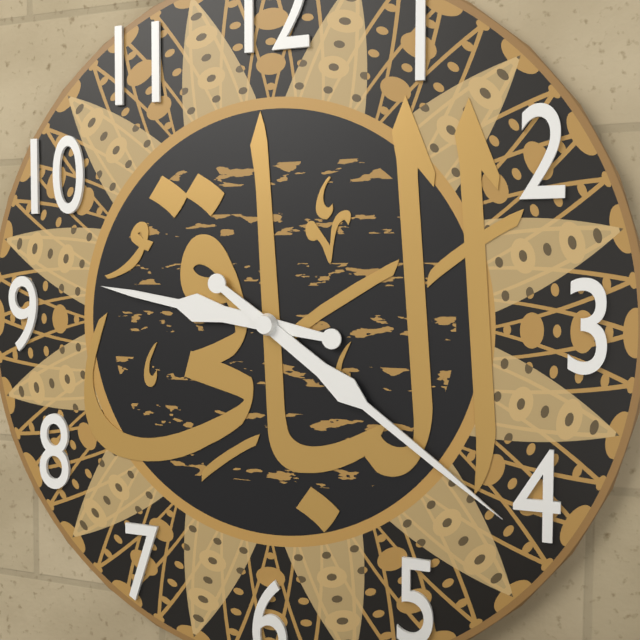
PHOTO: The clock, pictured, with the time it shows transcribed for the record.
9:21
